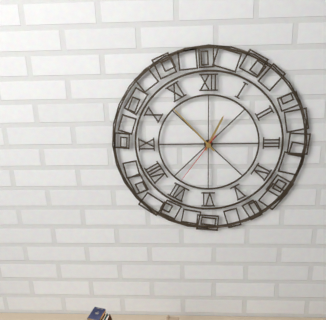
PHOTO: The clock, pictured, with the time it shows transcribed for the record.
12:53:36
